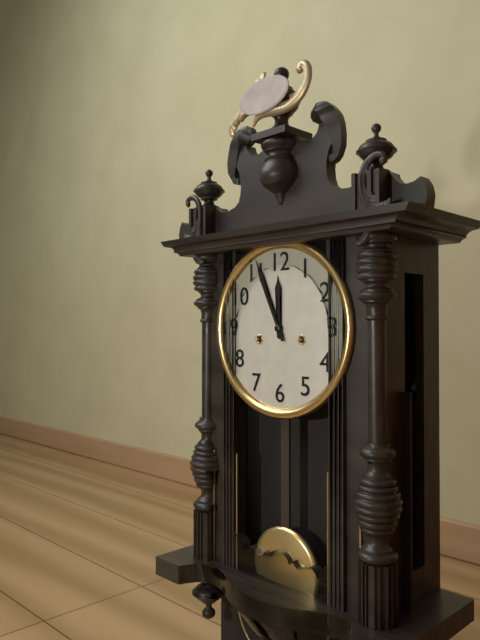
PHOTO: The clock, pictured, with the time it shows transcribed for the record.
11:56
